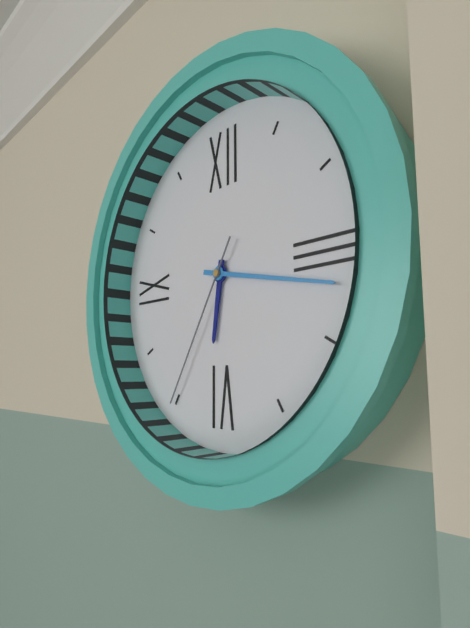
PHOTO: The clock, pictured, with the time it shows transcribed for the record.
6:17:35
